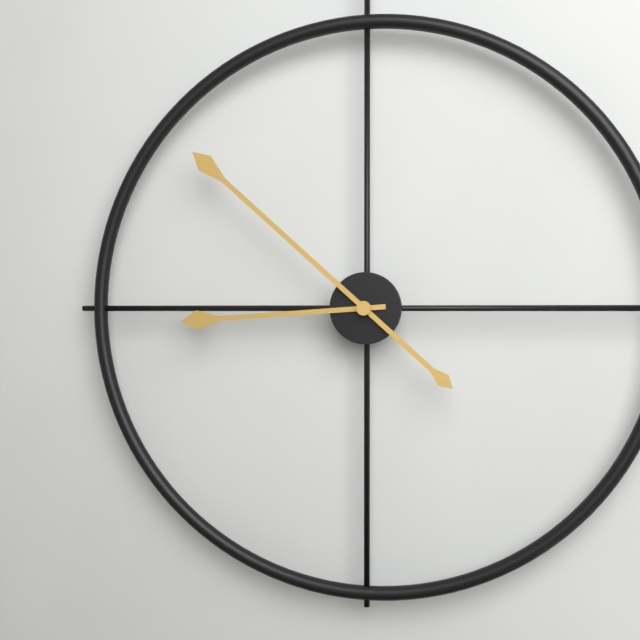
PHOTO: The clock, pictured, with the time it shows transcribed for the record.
8:52
